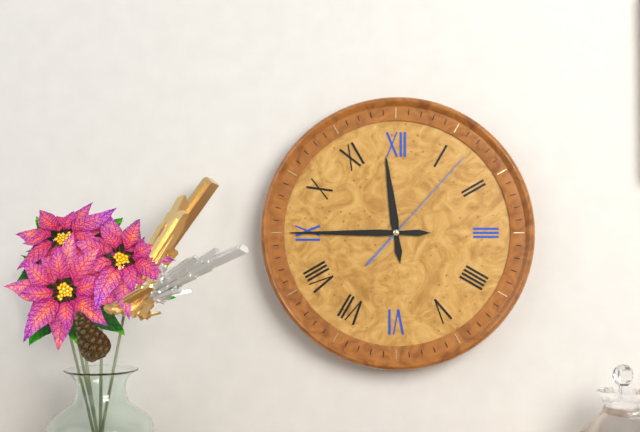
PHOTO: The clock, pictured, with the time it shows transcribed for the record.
11:45:07
